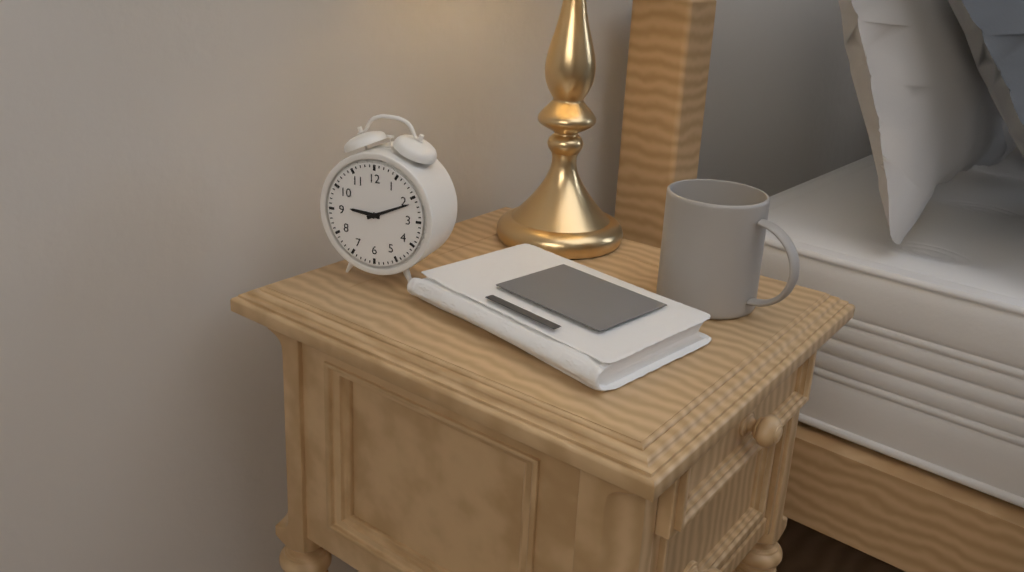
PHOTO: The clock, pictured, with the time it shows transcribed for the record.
9:11
